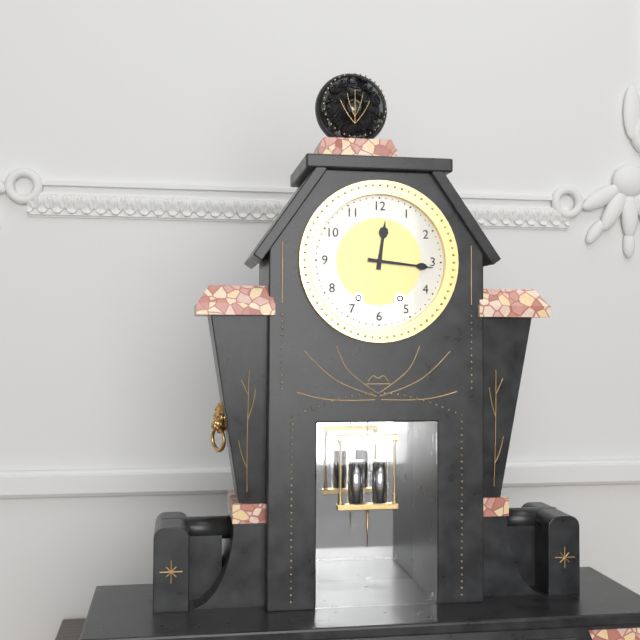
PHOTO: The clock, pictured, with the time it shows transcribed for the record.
12:16
